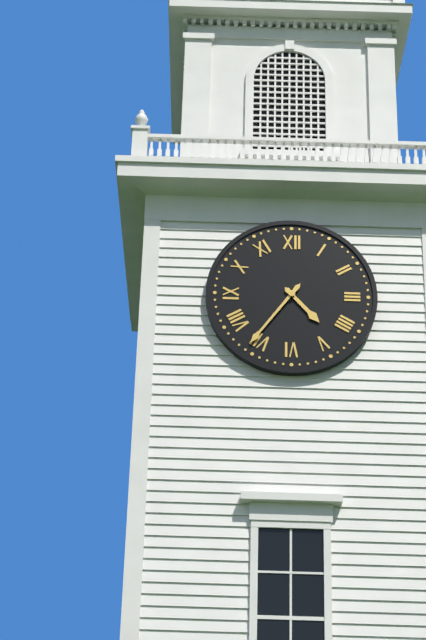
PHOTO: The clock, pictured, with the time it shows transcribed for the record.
4:36
